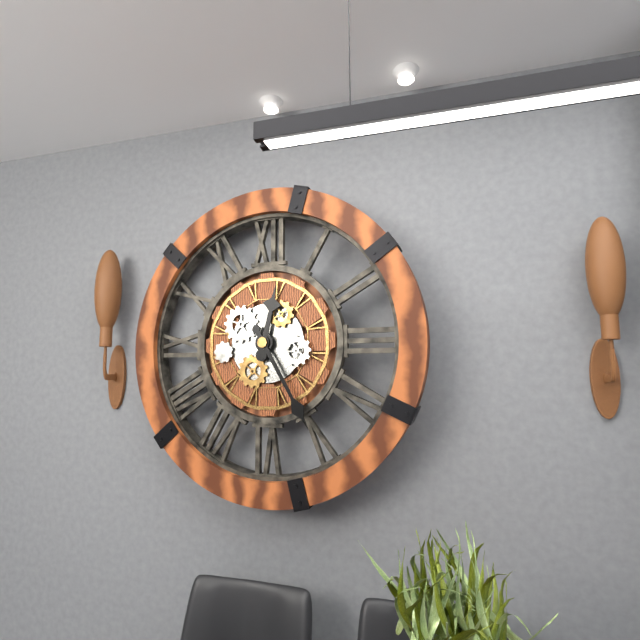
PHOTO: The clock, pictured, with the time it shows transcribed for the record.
12:25
